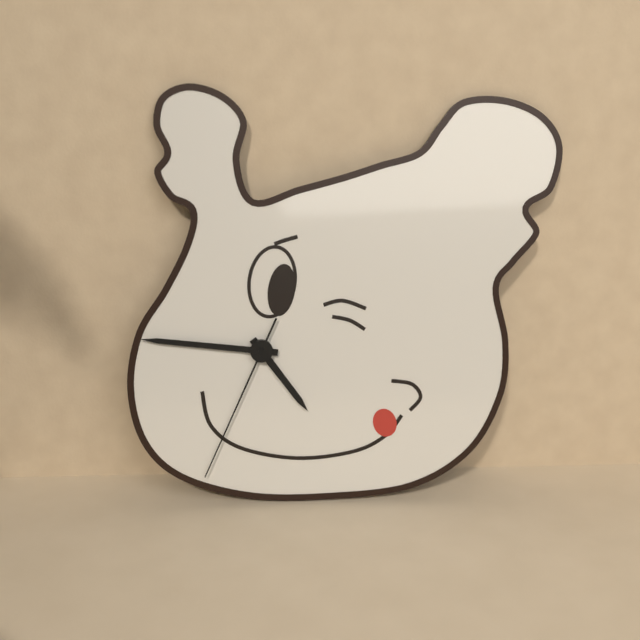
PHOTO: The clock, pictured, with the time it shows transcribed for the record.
4:46:34
